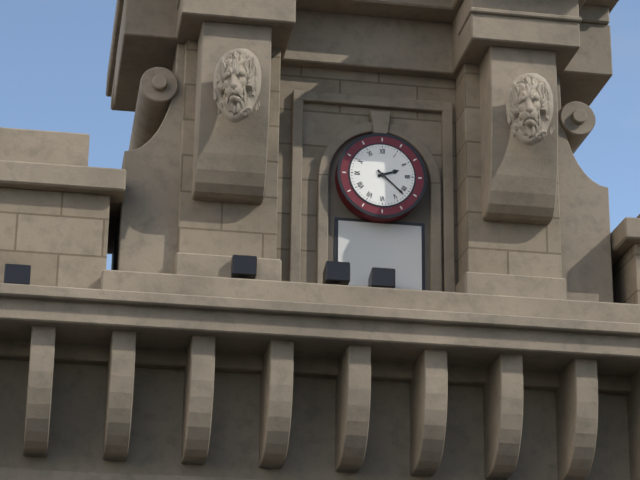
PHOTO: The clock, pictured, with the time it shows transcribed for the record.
2:22
